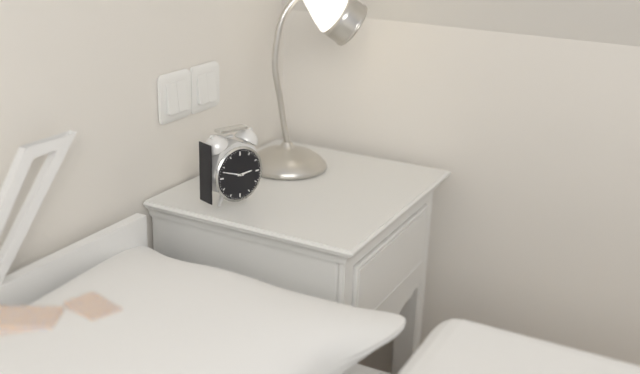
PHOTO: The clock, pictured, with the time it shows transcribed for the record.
2:48
